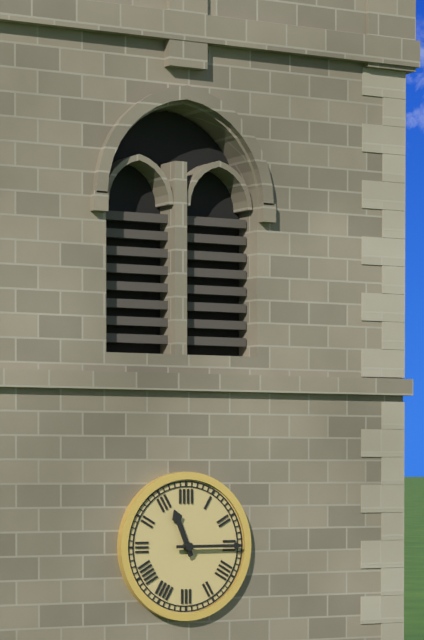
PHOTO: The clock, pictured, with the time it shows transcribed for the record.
11:15
